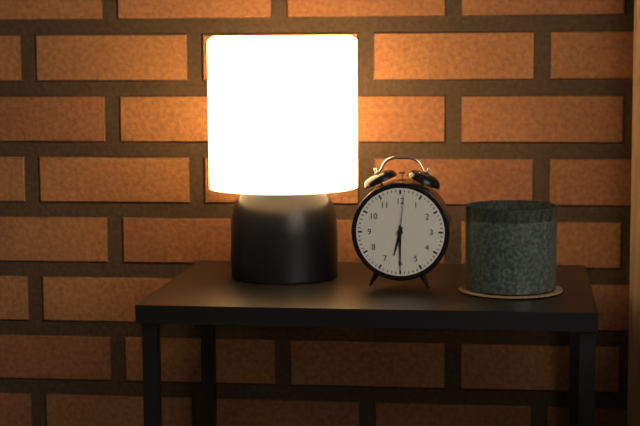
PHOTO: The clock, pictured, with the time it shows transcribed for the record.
6:30
